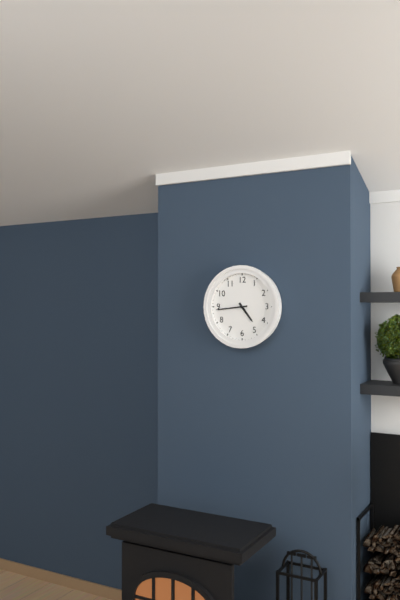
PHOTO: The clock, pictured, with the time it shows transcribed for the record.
4:44
